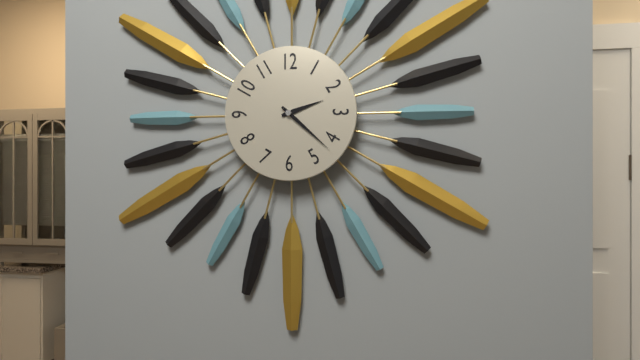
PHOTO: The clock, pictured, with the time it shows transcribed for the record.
2:22
